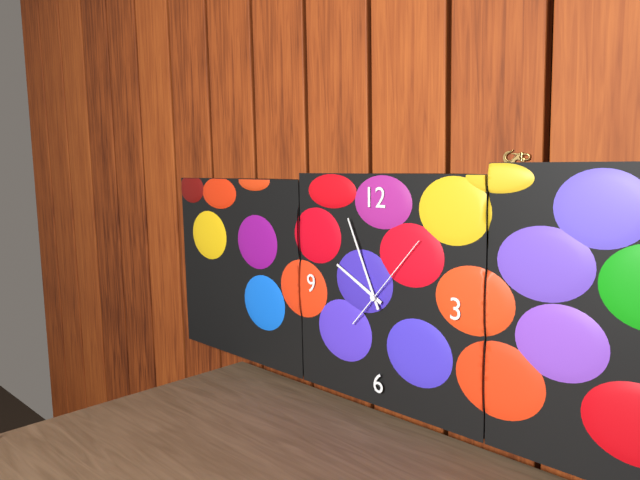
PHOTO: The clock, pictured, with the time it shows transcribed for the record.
9:56:07
